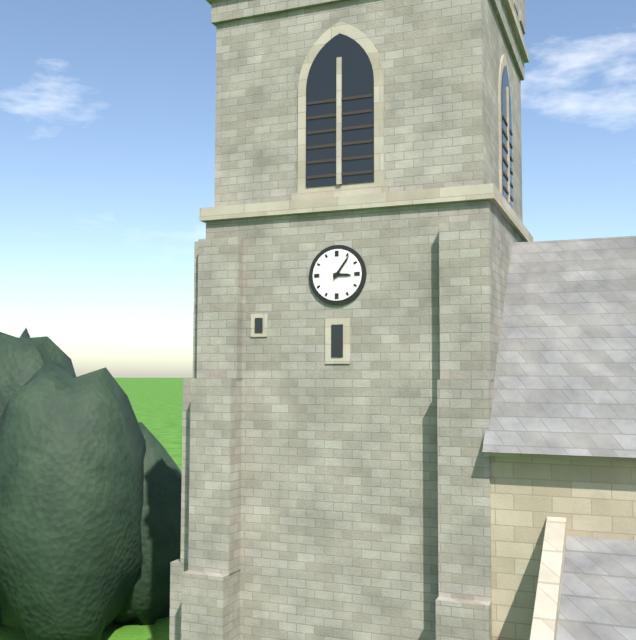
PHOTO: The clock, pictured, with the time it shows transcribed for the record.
3:06
